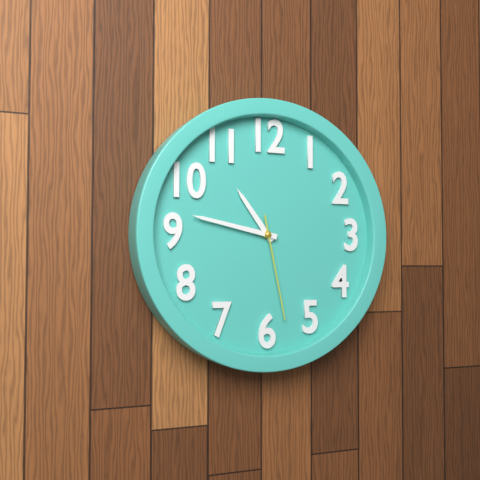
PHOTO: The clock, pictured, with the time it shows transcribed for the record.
10:47:28
